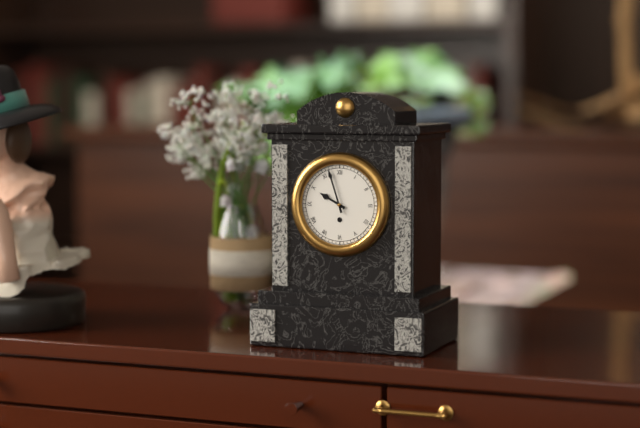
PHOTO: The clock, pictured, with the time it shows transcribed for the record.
9:57
